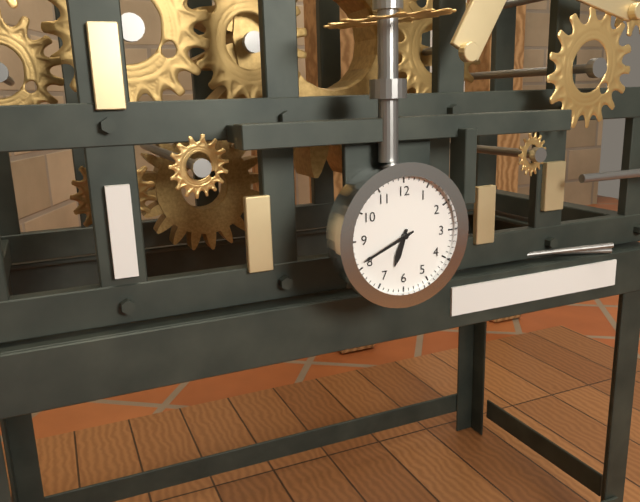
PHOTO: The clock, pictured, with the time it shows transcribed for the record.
6:41
